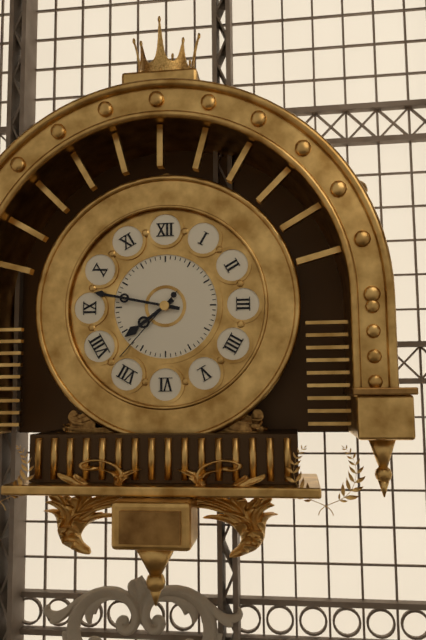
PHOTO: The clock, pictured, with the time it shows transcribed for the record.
7:47:37
